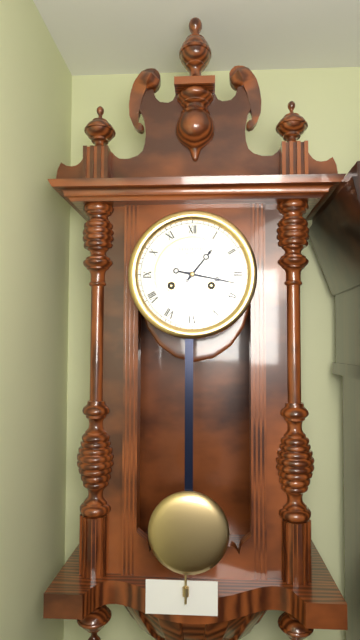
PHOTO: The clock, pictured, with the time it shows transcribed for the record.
1:17
